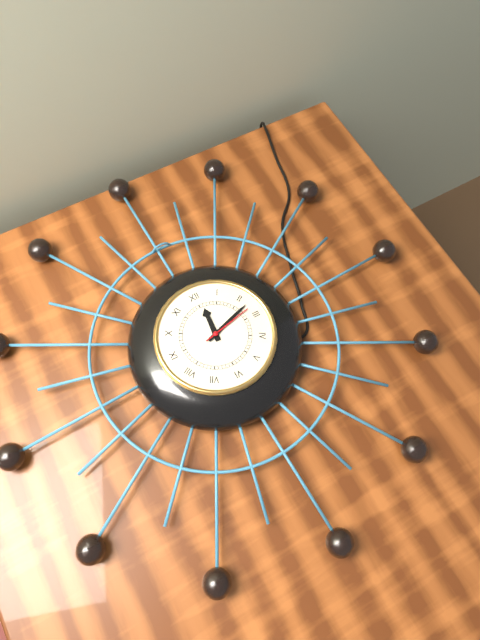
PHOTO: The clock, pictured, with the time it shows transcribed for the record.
12:12:13
